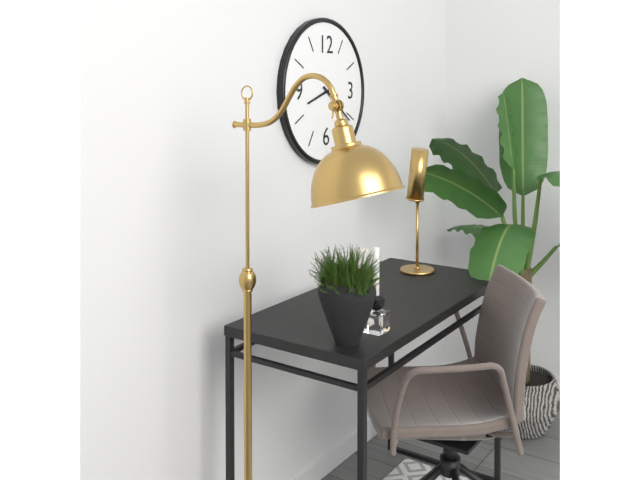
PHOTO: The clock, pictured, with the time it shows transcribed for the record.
8:21
